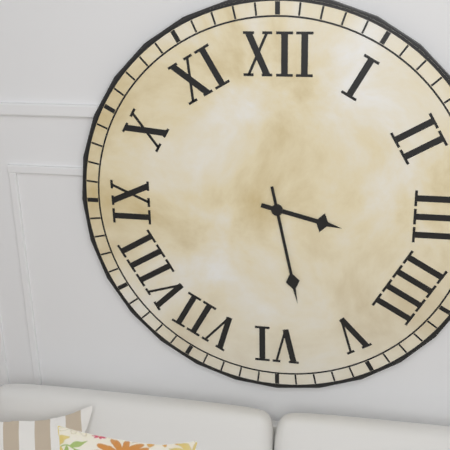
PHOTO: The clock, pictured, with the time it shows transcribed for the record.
3:28
